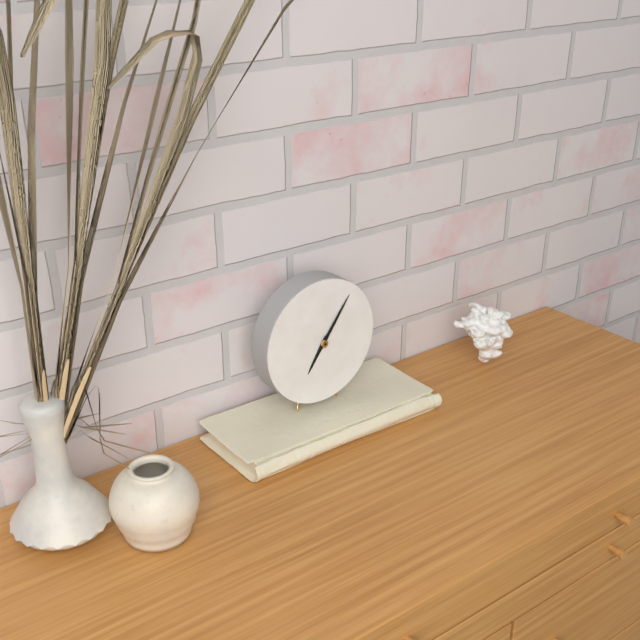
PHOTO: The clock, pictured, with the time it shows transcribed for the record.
7:06
